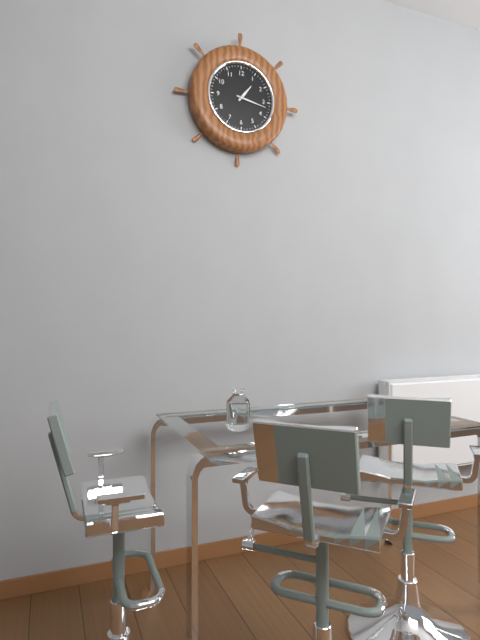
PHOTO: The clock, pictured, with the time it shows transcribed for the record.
1:17
